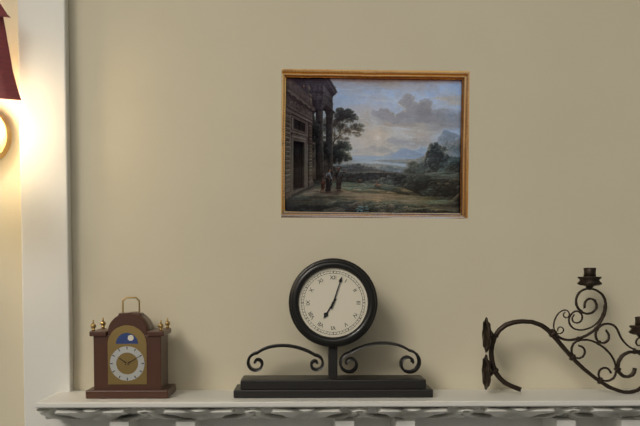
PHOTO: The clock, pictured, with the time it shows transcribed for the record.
7:03
